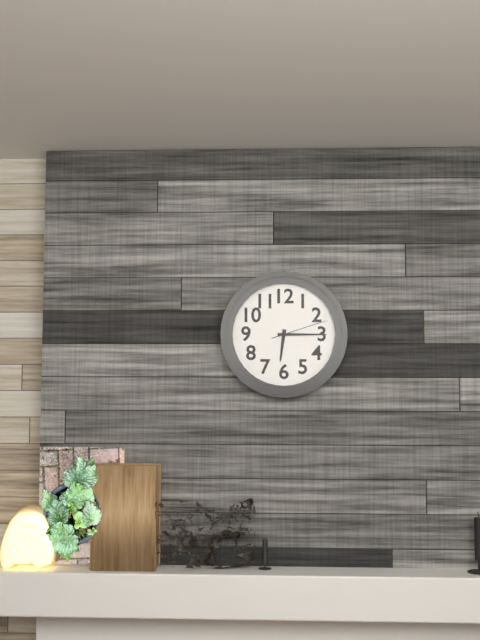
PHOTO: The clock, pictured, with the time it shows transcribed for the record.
6:15:12
